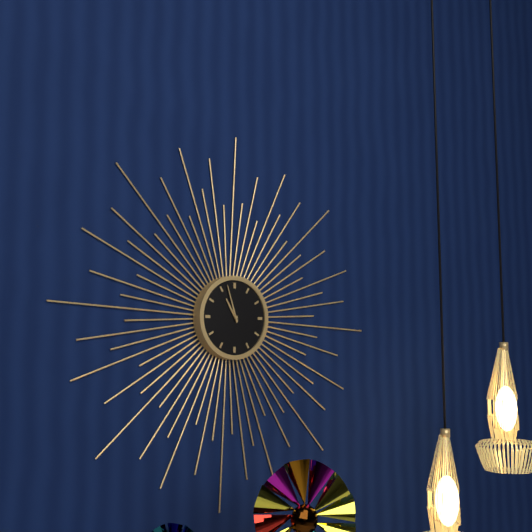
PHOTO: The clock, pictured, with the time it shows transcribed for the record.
10:57
